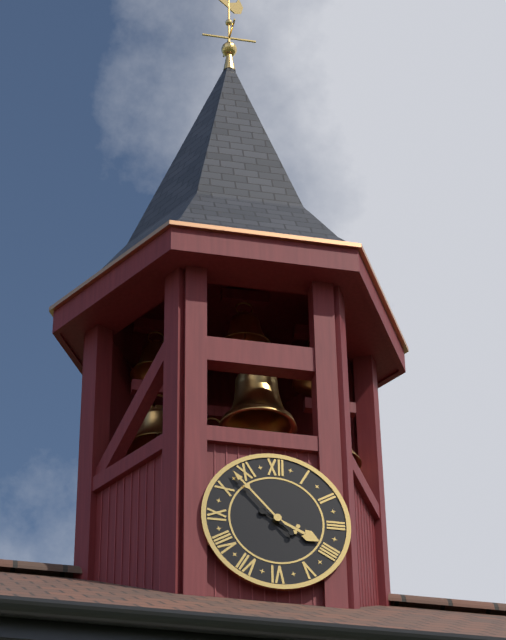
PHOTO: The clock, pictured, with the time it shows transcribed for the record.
3:53
